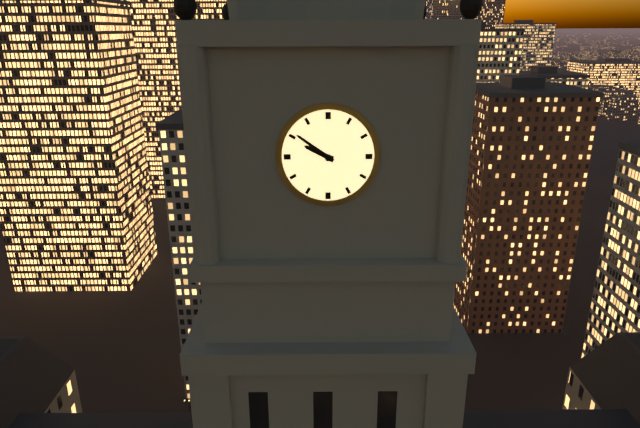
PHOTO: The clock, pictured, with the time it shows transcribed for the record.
9:51
